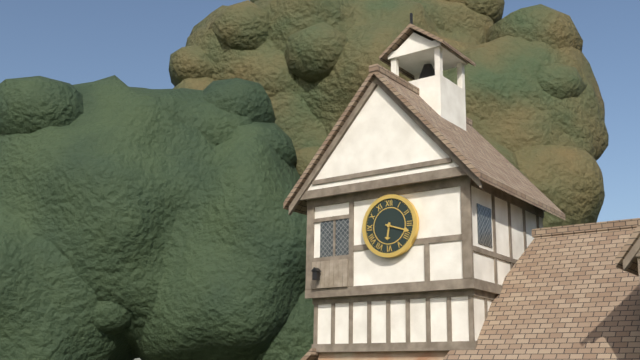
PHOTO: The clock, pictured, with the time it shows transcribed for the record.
6:18
